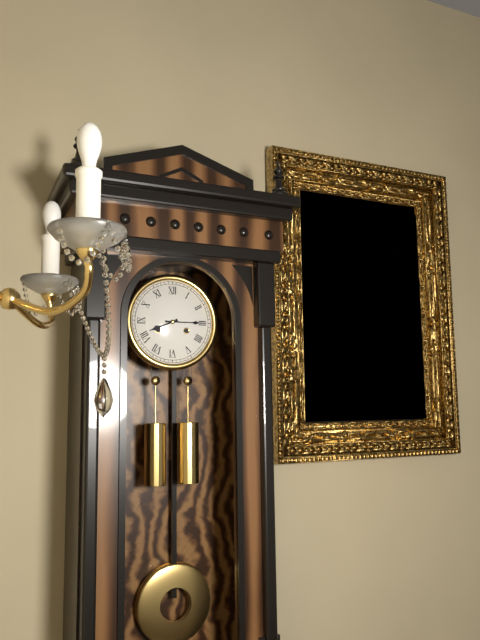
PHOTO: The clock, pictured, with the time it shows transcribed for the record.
8:15
